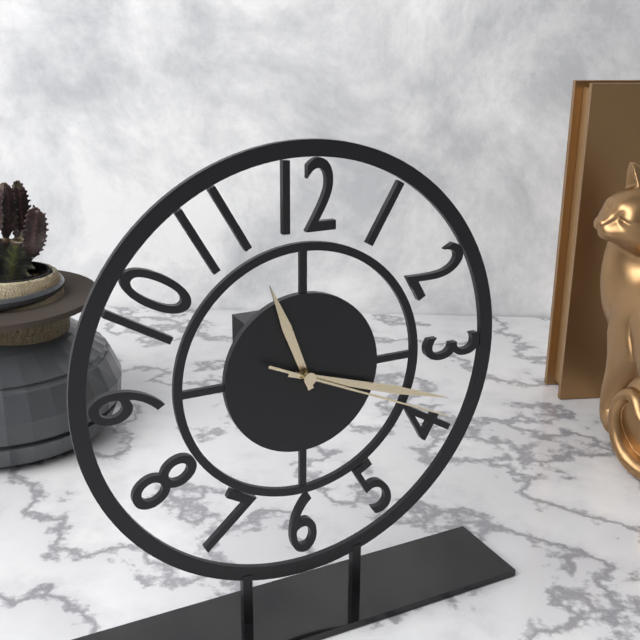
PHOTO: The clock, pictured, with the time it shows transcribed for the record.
11:18:19
